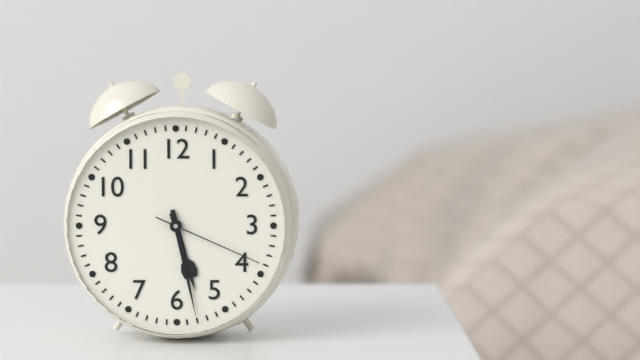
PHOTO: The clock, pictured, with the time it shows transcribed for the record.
5:28:19
